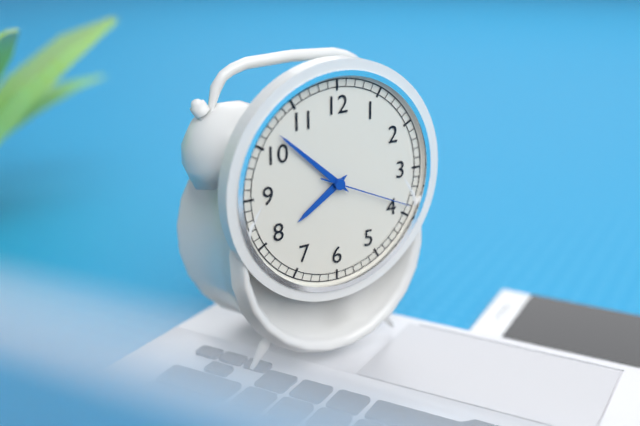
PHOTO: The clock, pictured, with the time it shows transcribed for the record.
7:52:19
